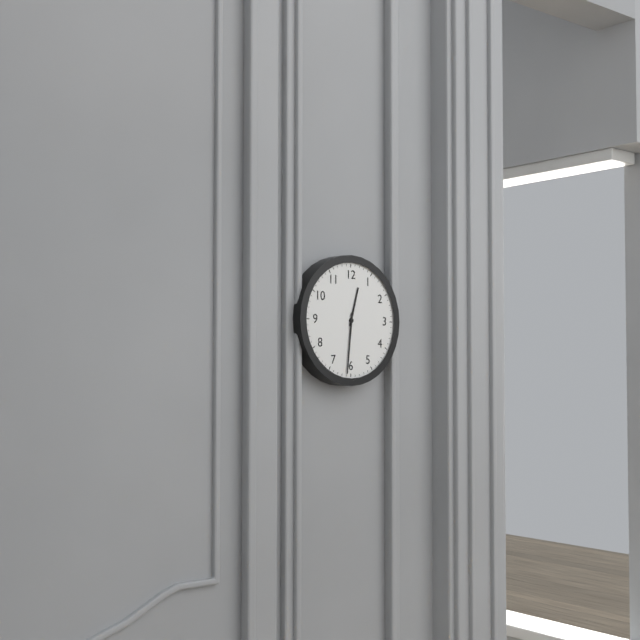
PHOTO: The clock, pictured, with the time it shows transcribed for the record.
12:31
